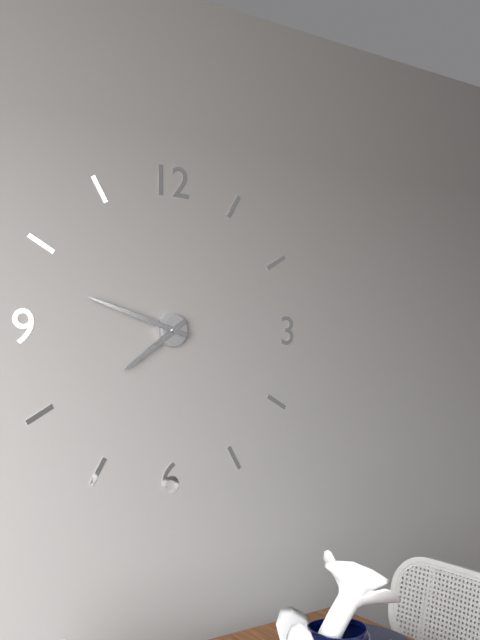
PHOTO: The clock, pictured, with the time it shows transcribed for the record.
7:48
